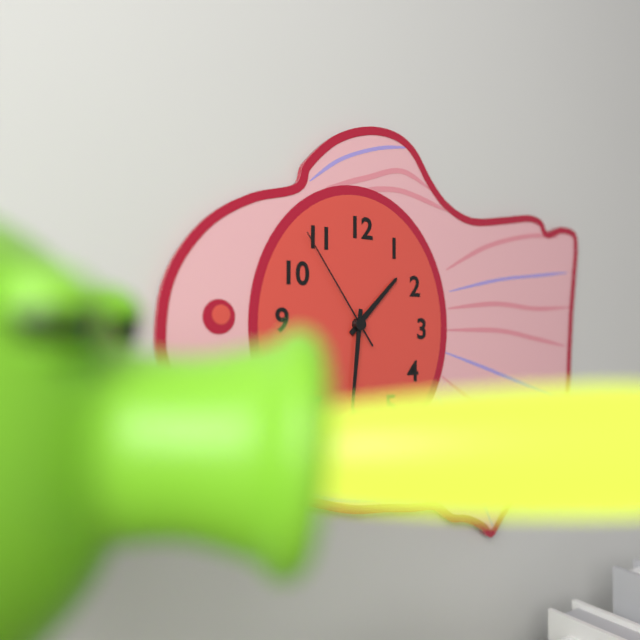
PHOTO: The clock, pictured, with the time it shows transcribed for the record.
1:31:54
